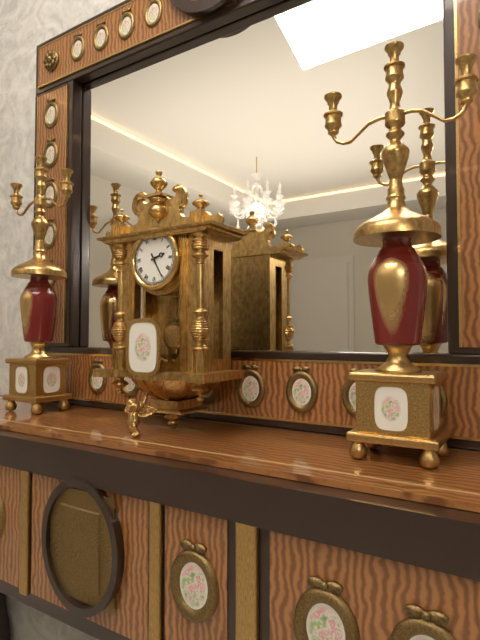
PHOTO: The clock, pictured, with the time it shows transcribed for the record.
2:25
